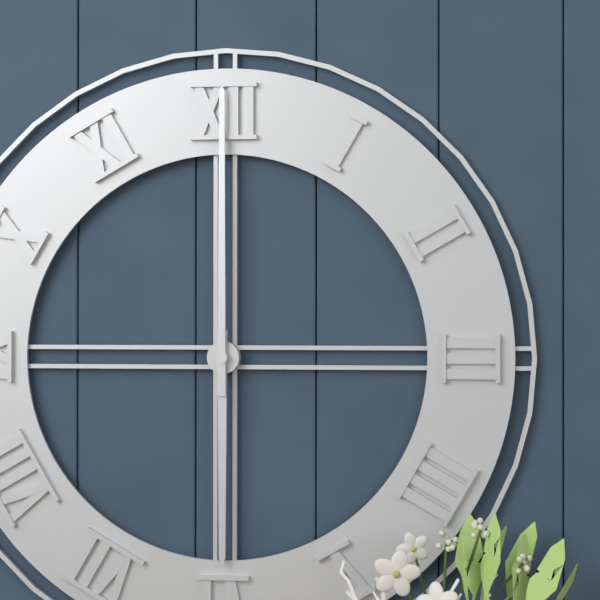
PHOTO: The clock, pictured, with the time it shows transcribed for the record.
6:00
